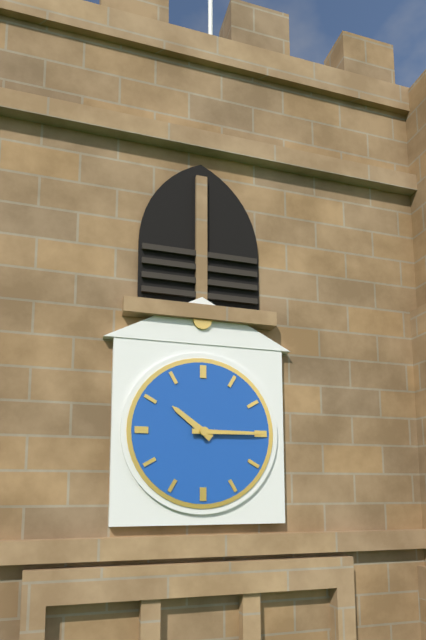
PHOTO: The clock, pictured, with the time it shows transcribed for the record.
10:15
